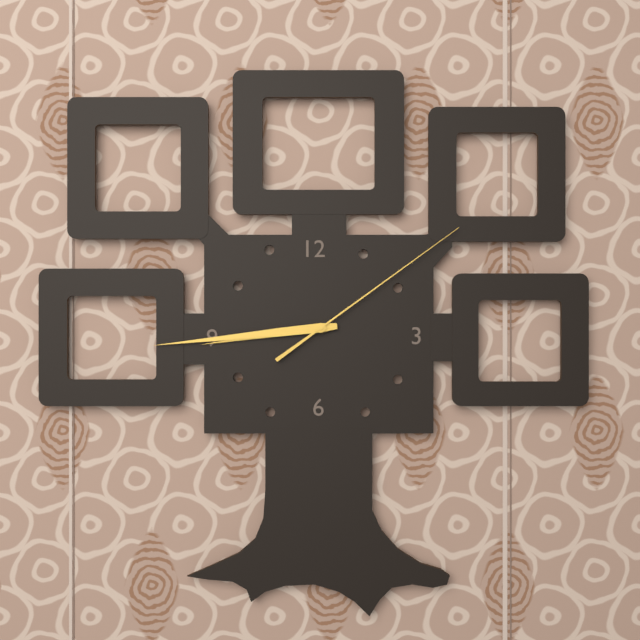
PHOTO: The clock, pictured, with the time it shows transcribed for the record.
8:44:09
